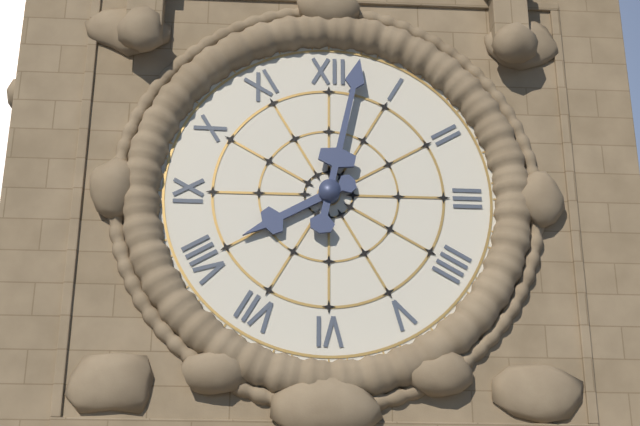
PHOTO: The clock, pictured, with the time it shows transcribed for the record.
8:02
